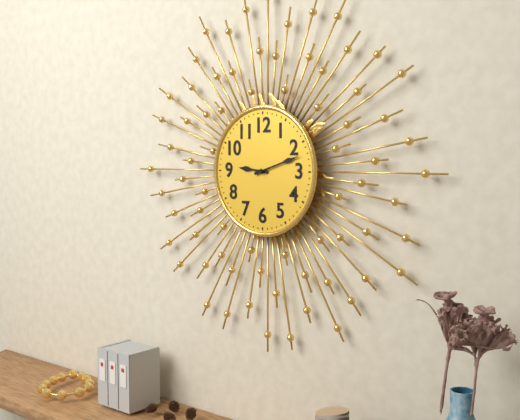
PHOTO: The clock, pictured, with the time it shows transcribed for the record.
9:12
